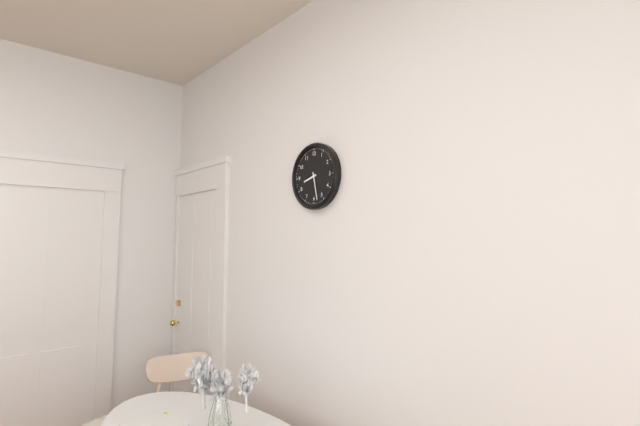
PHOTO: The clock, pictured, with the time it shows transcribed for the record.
8:28
